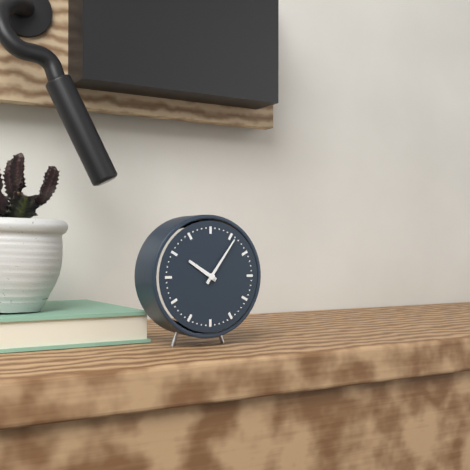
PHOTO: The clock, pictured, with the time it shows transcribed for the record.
10:06
